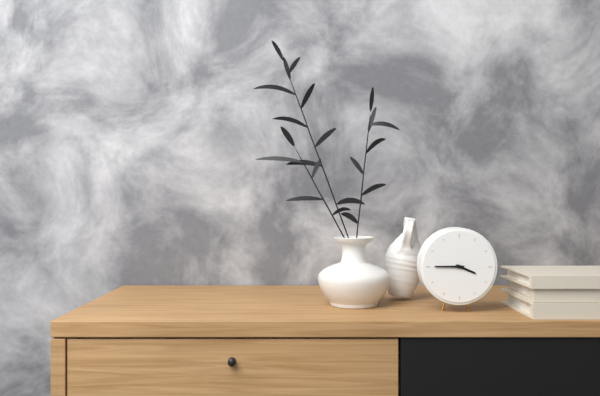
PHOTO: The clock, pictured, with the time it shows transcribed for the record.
3:45
